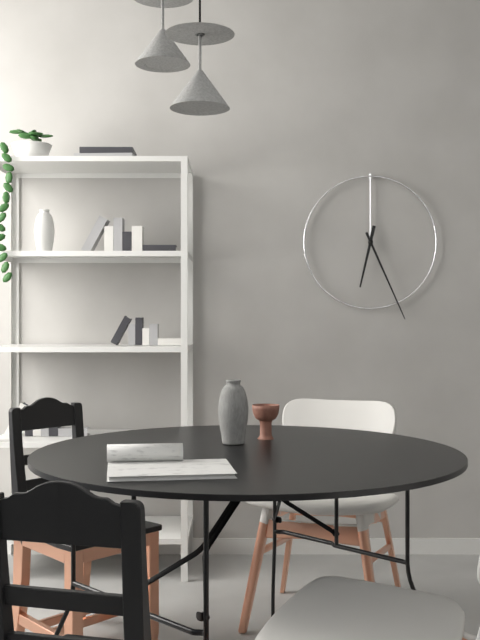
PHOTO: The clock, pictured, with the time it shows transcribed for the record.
6:26
